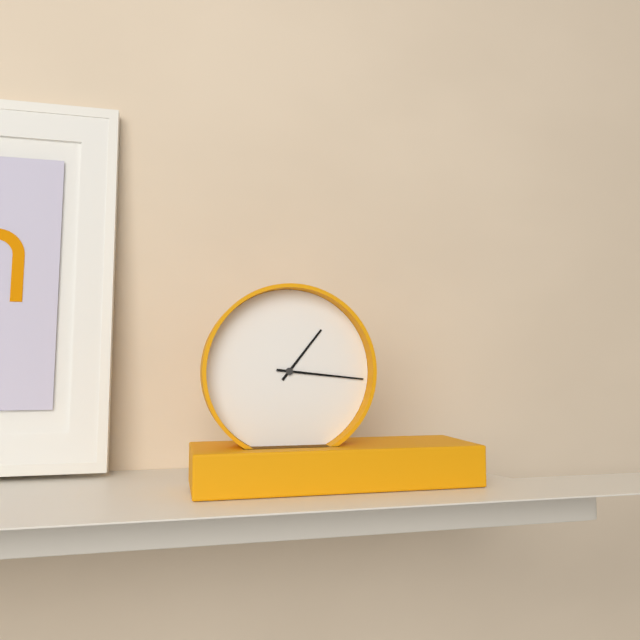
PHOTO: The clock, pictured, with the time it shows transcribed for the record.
1:16
